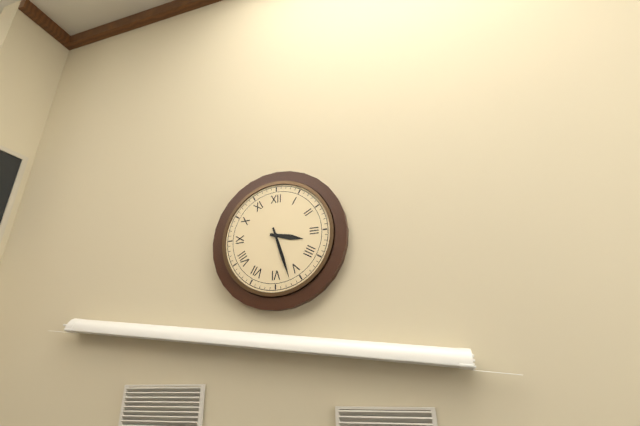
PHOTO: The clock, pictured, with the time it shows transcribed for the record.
3:27
